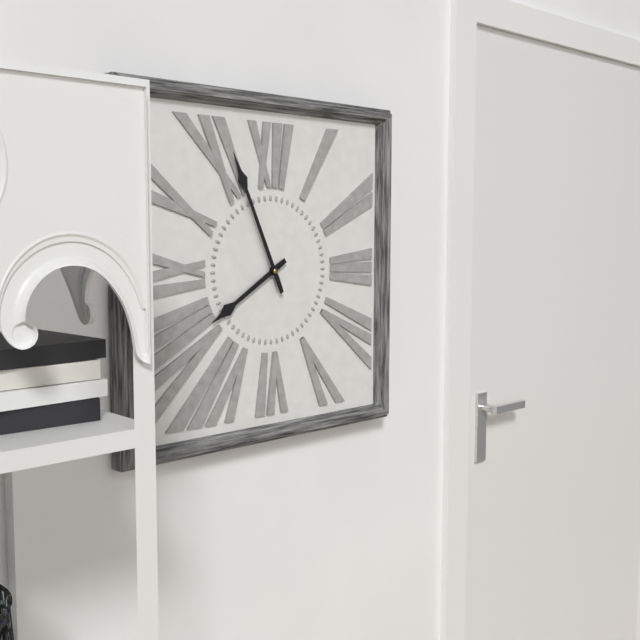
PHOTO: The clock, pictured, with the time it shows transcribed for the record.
7:56
